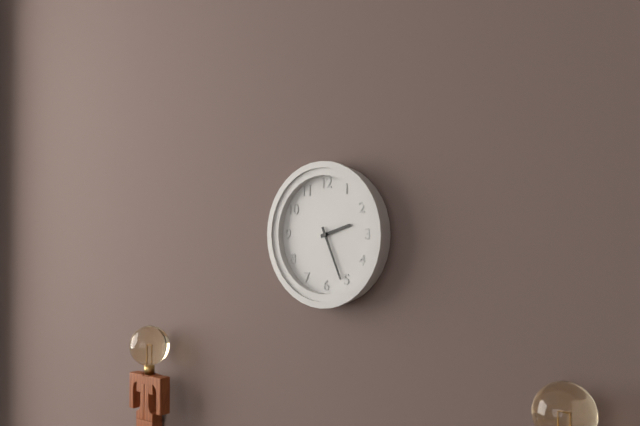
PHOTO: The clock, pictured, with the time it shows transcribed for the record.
2:26
